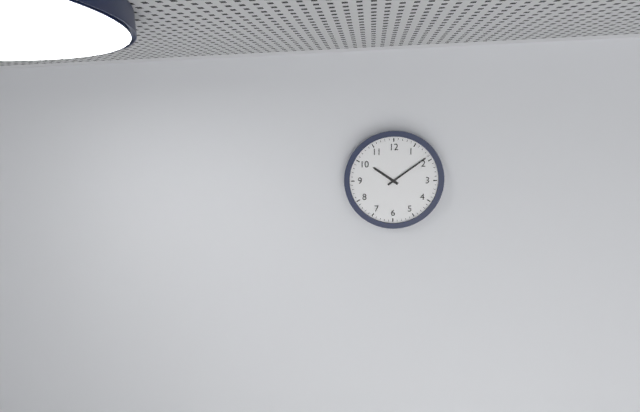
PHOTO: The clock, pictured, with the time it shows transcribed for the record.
10:09
